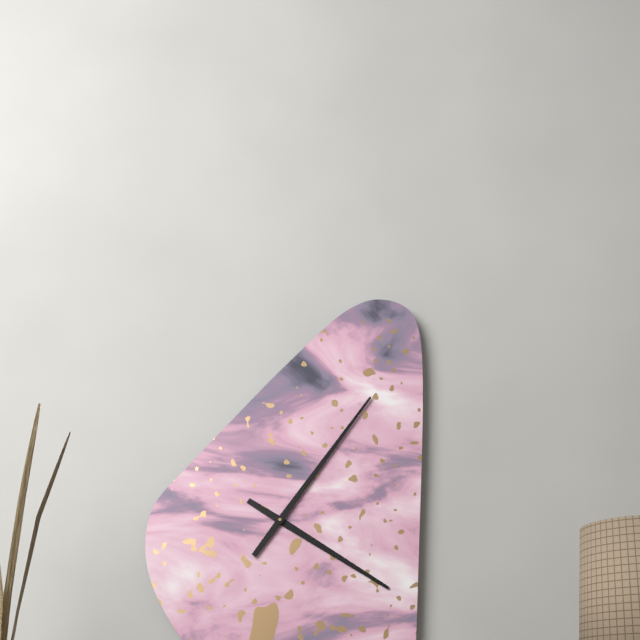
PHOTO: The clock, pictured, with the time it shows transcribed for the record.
4:06
